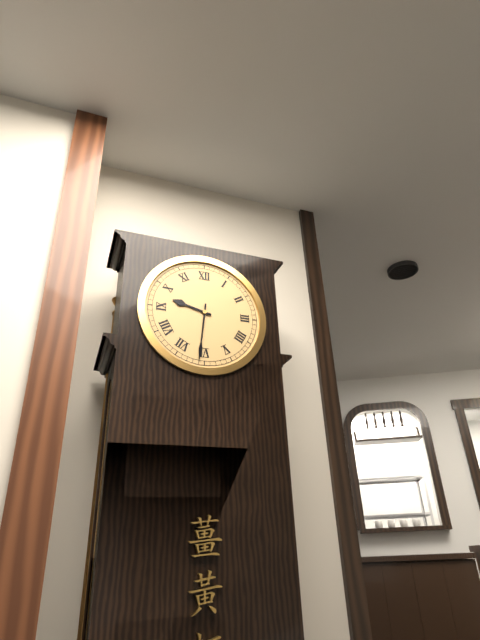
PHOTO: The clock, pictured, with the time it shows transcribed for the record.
9:31
